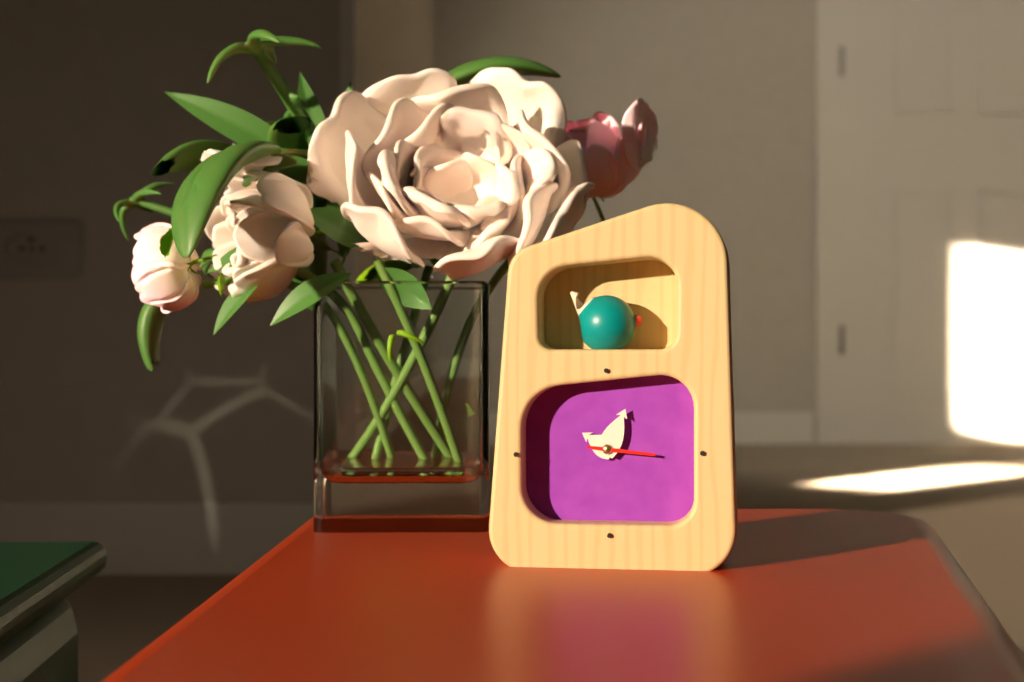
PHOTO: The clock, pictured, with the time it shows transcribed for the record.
10:04:16
